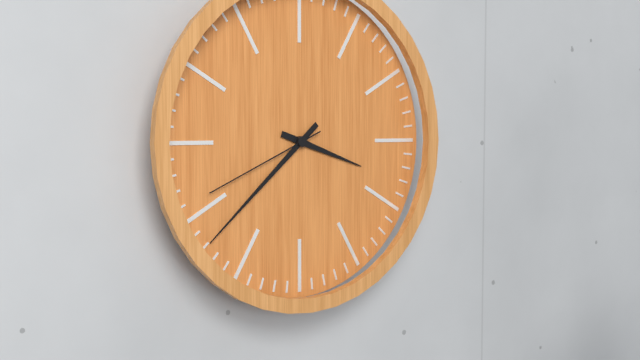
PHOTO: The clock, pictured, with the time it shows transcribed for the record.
3:38:41
